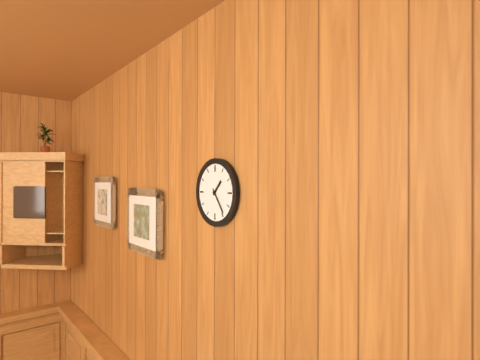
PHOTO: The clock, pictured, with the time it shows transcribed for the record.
1:24
